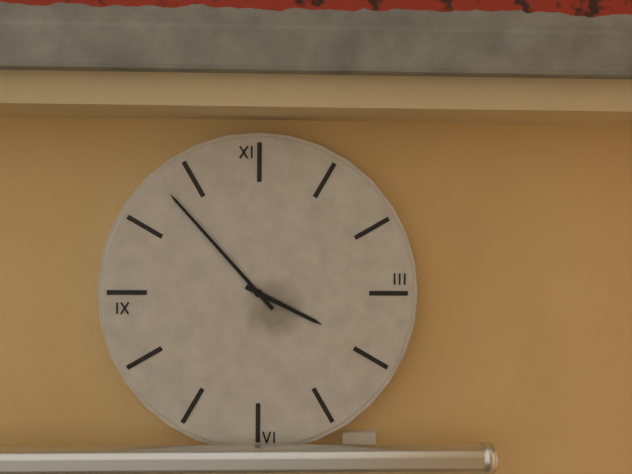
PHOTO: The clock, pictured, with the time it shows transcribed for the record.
3:53
